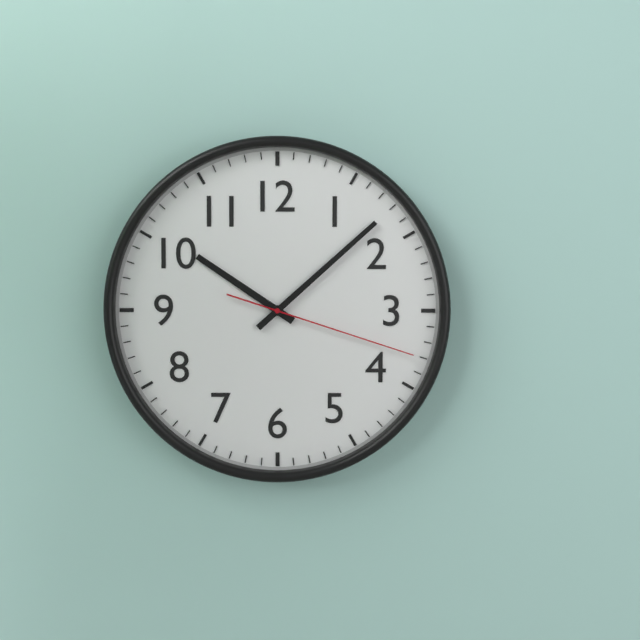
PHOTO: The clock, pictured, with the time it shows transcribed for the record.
10:08:18
